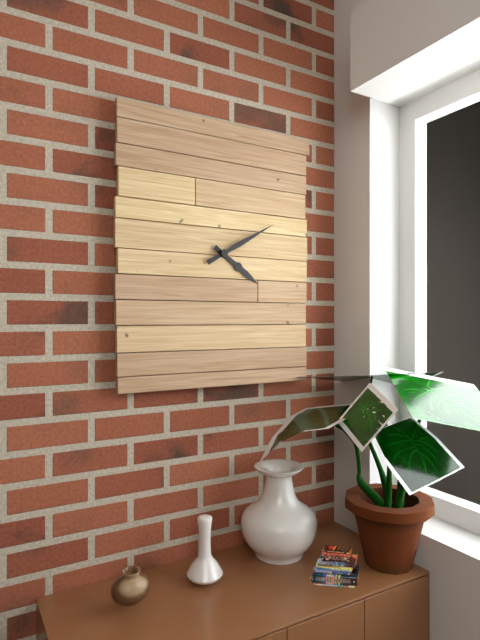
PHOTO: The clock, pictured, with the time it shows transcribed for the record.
4:10
